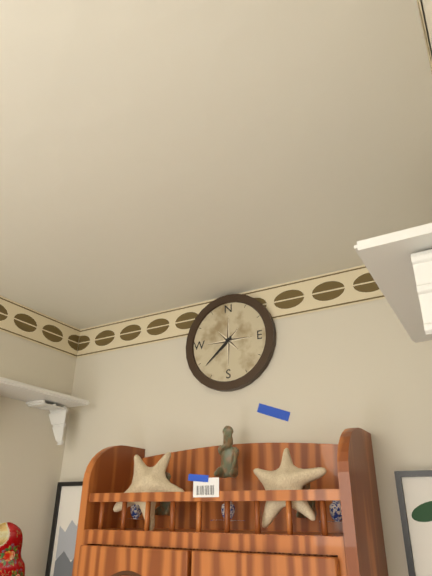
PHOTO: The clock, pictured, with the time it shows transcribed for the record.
7:38
